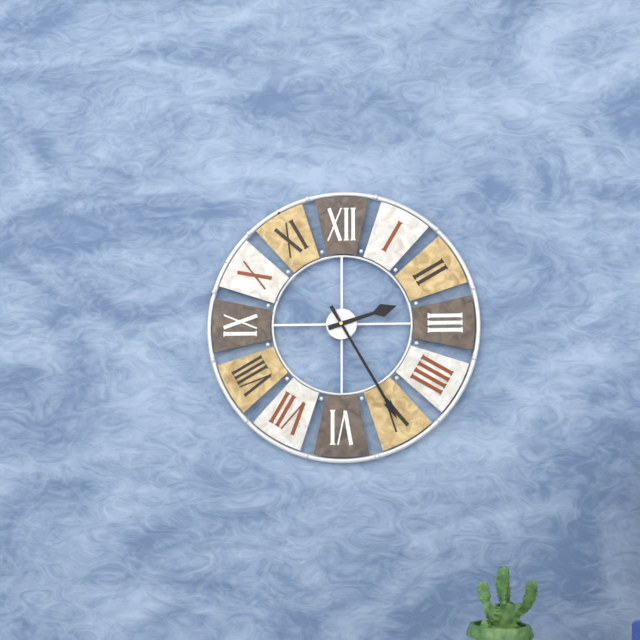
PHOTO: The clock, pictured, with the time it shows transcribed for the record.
2:25
